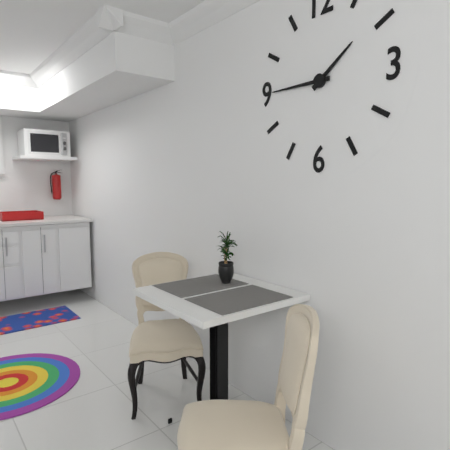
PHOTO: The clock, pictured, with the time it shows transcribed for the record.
1:45
